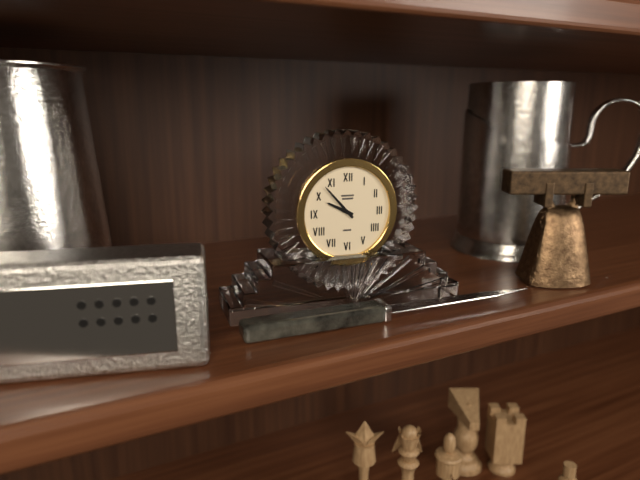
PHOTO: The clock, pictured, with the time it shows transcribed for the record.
9:53
